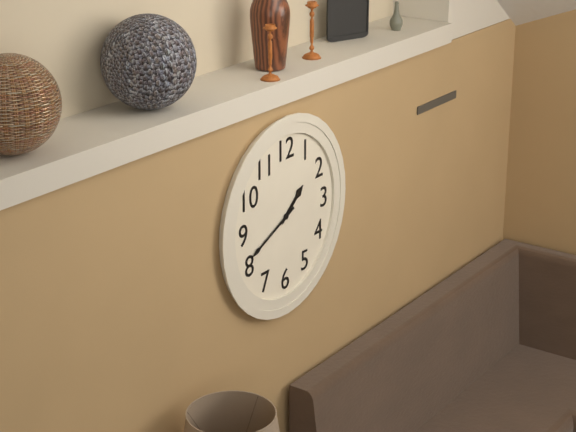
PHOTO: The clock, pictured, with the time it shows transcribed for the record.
1:41
